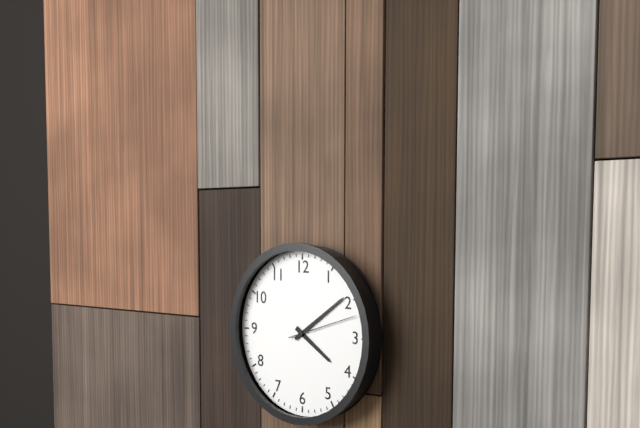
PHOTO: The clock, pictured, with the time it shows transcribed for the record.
4:09:12
